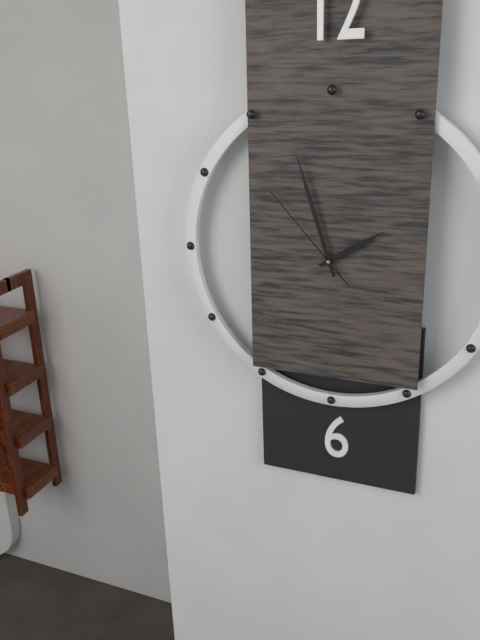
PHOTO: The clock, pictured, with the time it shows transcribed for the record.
1:57:53
